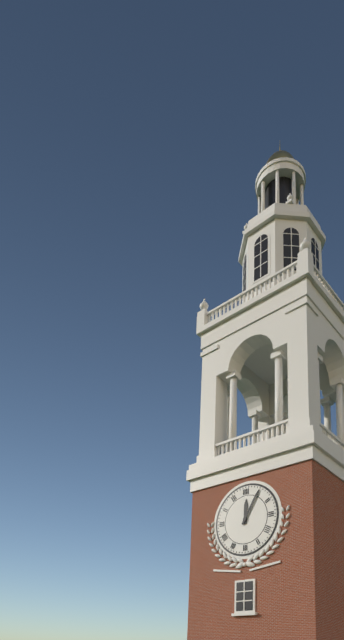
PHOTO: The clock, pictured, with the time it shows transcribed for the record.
12:05
